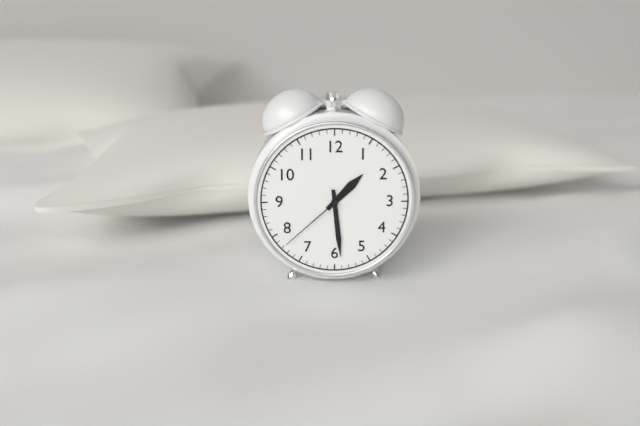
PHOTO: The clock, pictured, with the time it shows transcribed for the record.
1:29:38
